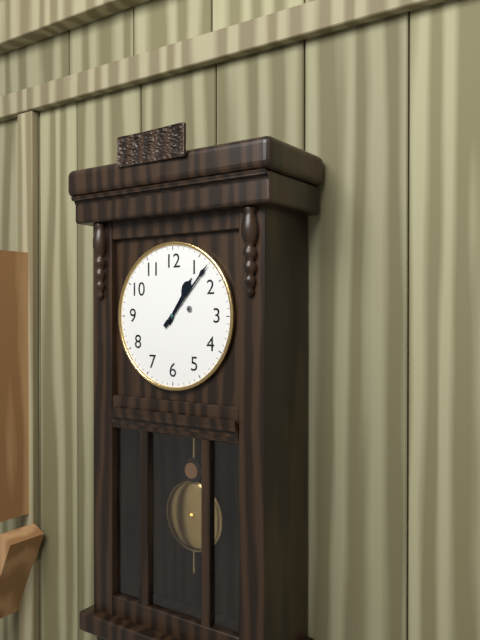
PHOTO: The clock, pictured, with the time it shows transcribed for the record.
1:07
